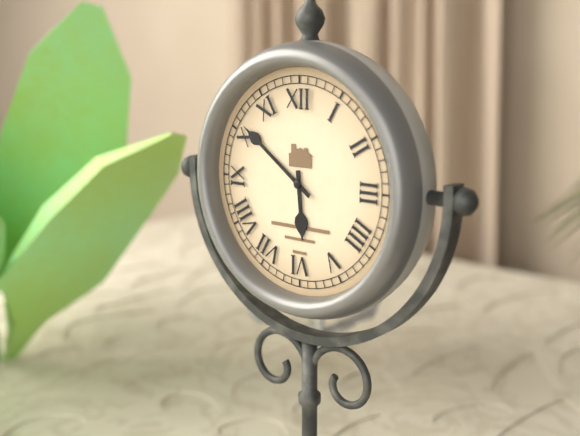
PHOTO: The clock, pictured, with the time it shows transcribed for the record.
5:51
